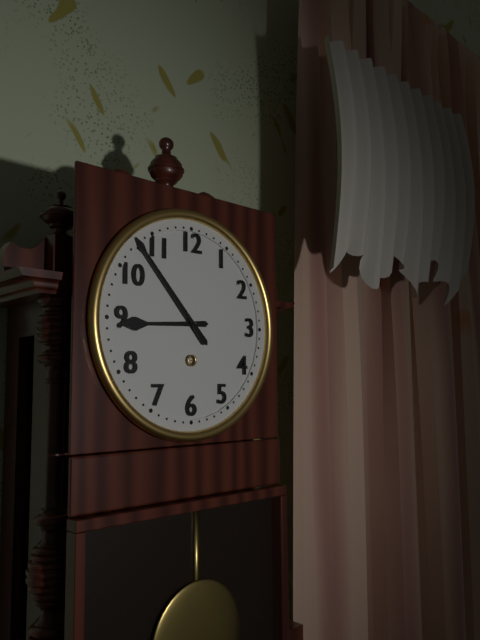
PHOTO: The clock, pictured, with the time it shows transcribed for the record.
8:53
